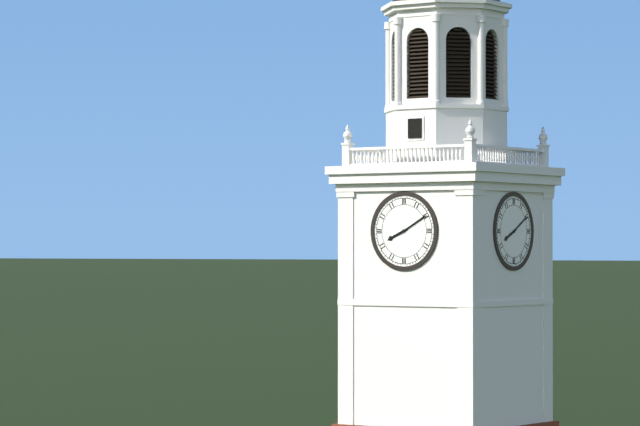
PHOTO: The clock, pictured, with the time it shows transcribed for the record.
8:10
